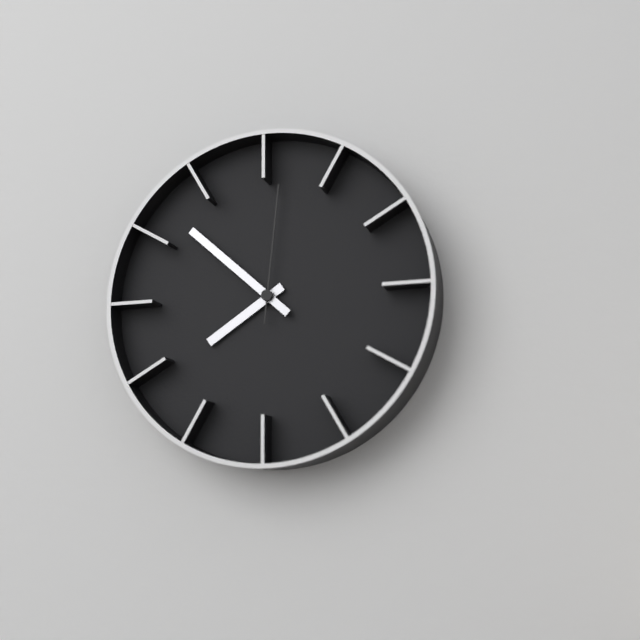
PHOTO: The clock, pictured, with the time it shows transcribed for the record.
7:52:01
